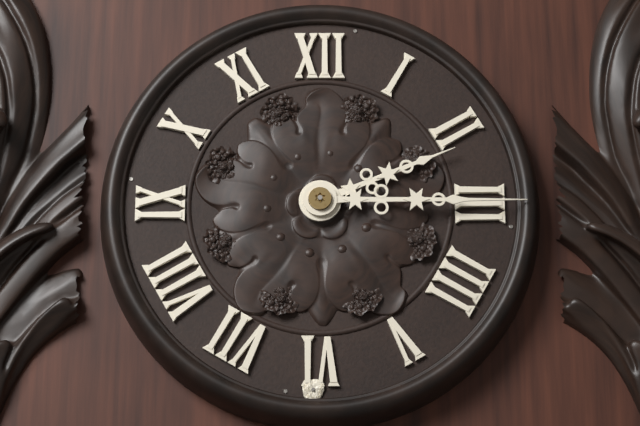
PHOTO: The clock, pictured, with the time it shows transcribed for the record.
2:15
